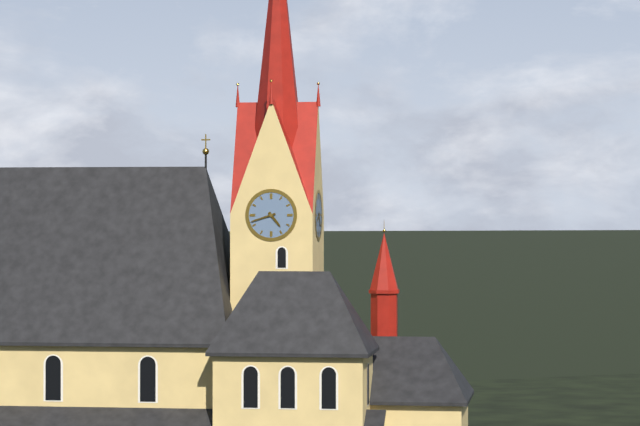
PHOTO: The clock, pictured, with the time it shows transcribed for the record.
4:42
